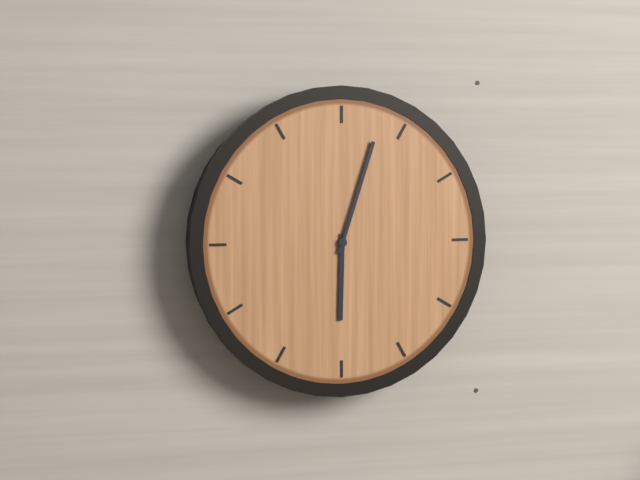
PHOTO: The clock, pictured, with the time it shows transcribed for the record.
6:03
